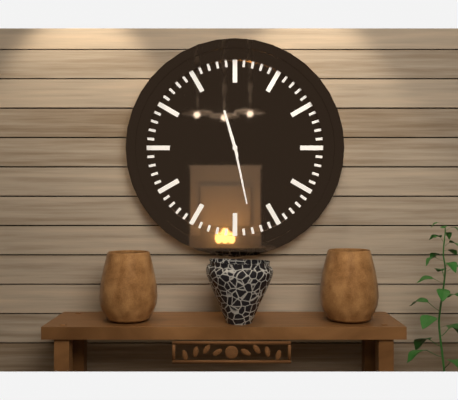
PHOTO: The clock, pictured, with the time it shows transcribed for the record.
11:28
